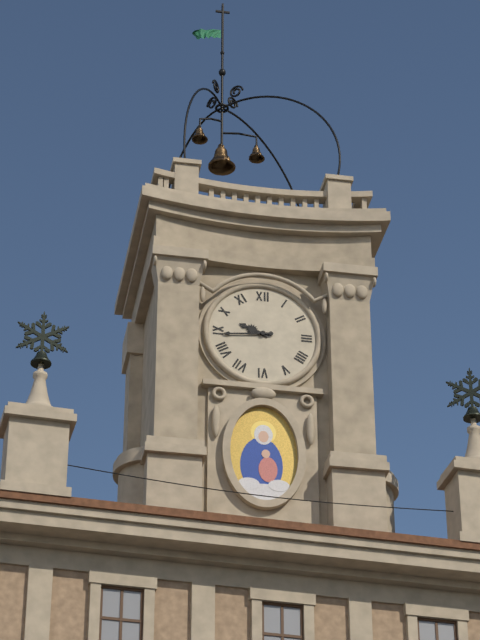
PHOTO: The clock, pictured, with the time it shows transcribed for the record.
9:44
